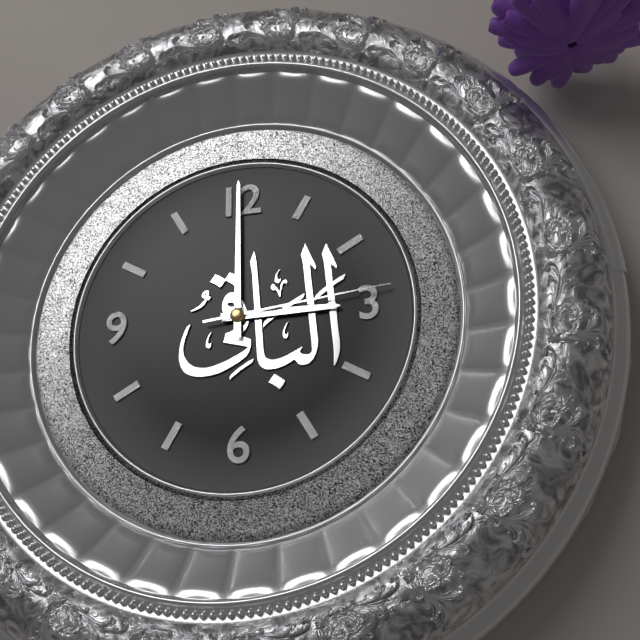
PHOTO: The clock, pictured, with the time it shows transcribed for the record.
3:00:14
